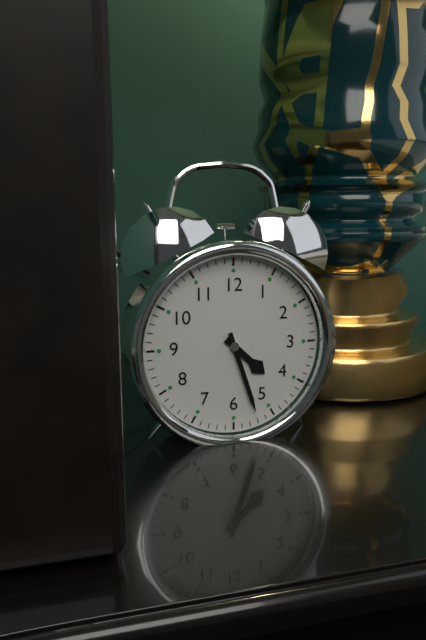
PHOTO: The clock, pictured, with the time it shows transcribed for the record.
4:27
